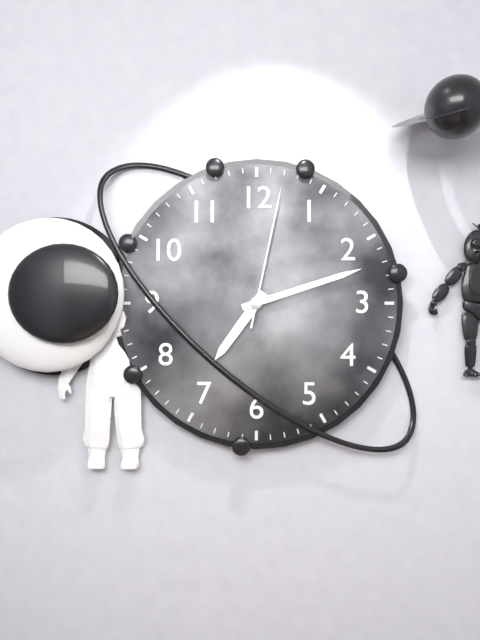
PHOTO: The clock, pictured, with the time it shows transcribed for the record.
7:12:02
